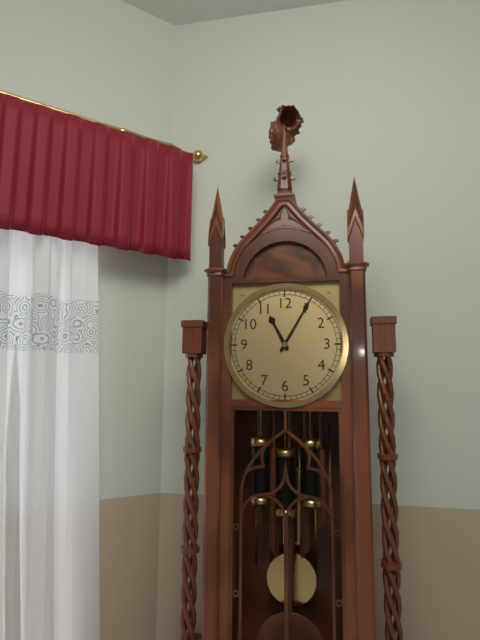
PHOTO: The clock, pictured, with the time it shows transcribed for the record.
11:05
